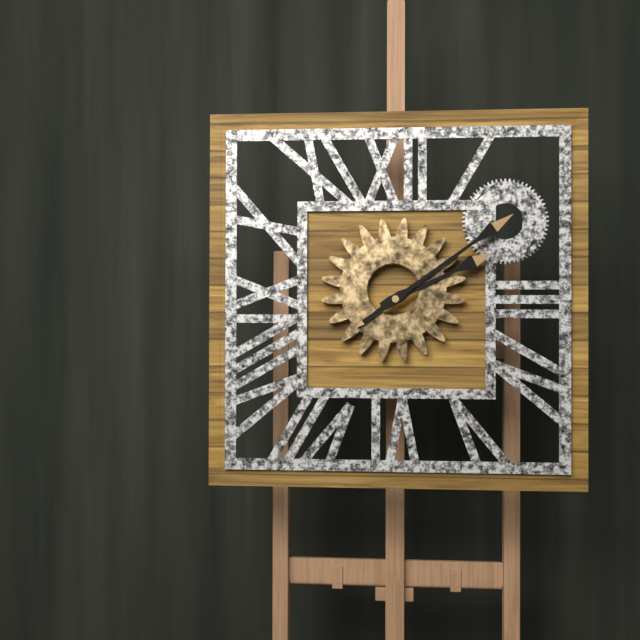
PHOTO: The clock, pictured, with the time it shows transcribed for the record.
2:09
